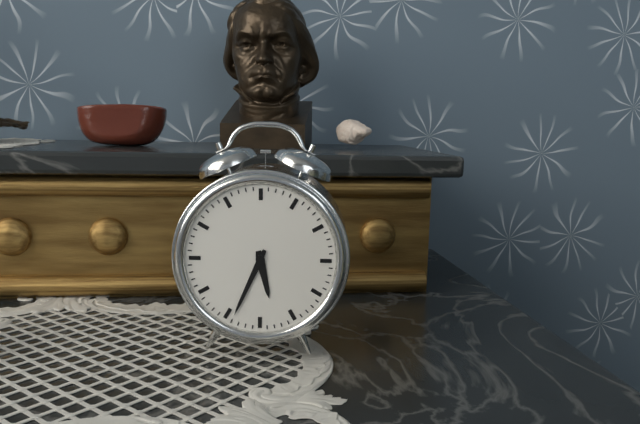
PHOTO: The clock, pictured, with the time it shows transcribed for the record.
5:34
